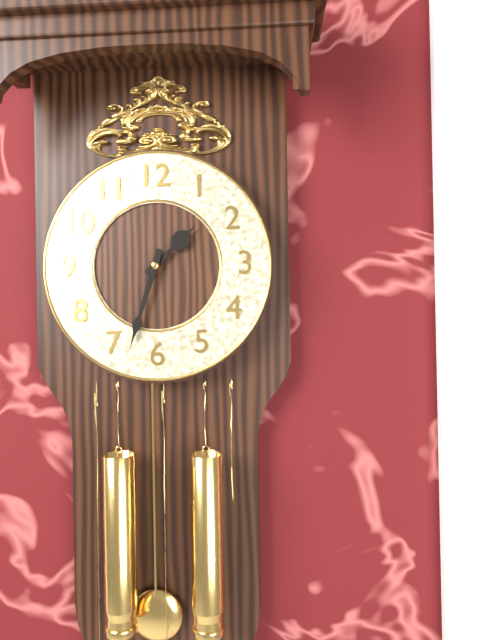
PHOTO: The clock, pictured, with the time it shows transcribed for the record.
1:33
